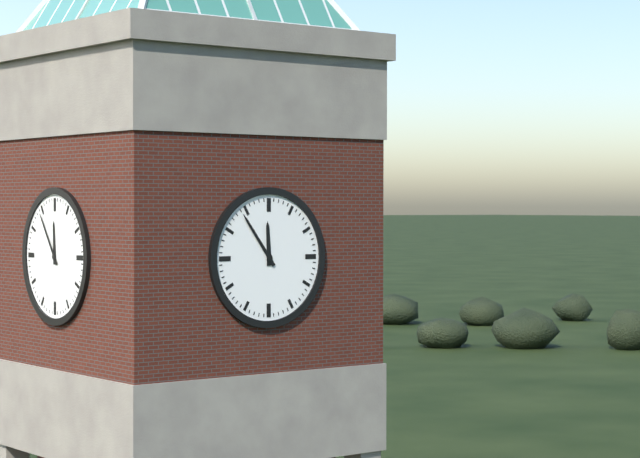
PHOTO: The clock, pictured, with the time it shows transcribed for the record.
11:54
